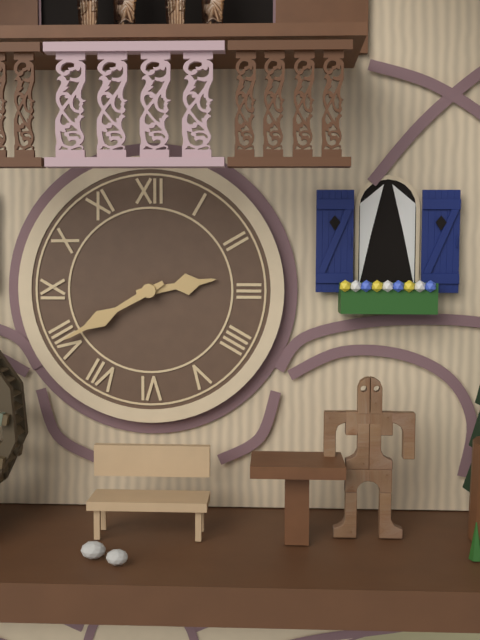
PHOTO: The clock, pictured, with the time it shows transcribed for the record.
2:40
